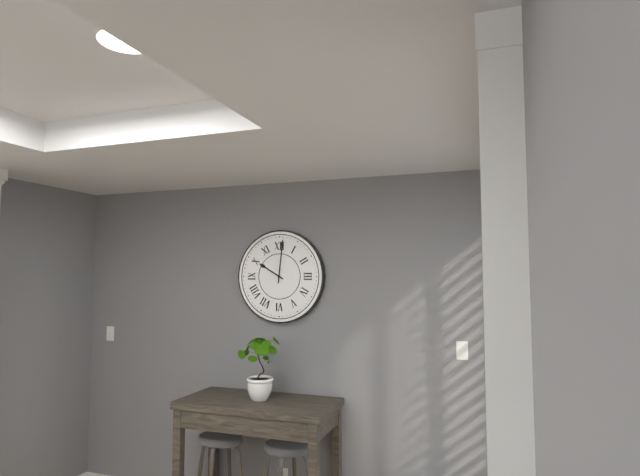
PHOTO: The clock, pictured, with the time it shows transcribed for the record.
10:01
